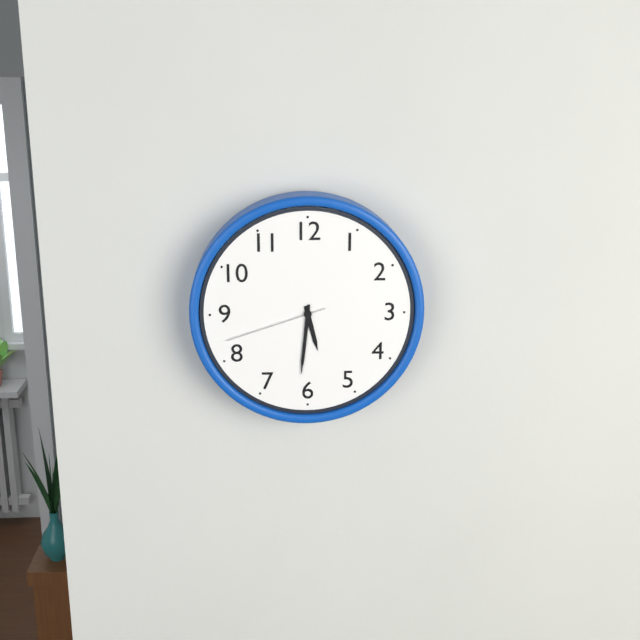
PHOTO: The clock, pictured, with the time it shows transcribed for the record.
5:31:42
